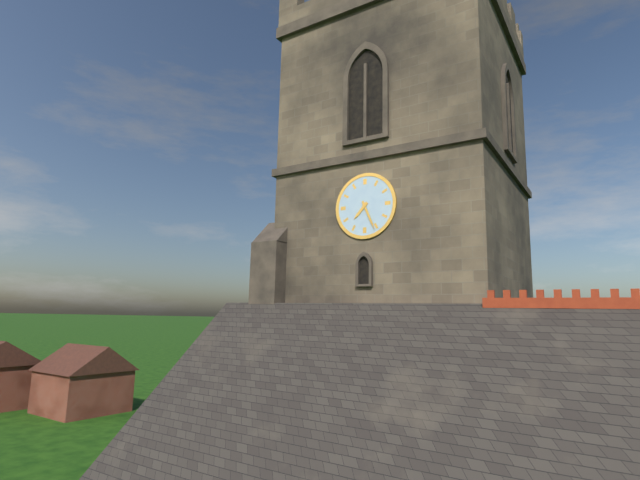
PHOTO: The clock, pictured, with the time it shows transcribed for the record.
7:26
